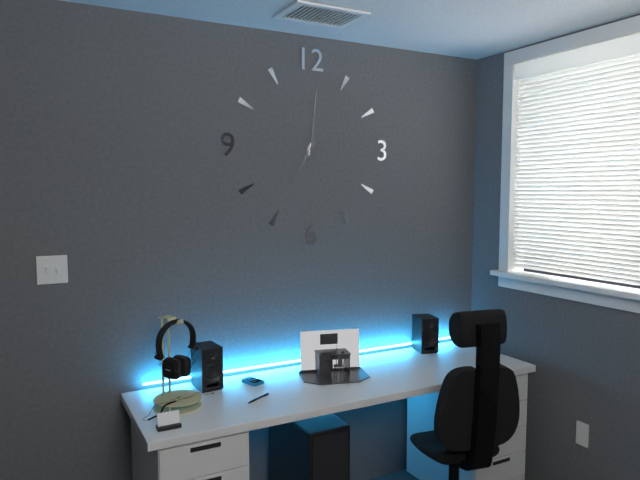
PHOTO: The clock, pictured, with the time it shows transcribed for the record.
7:01
